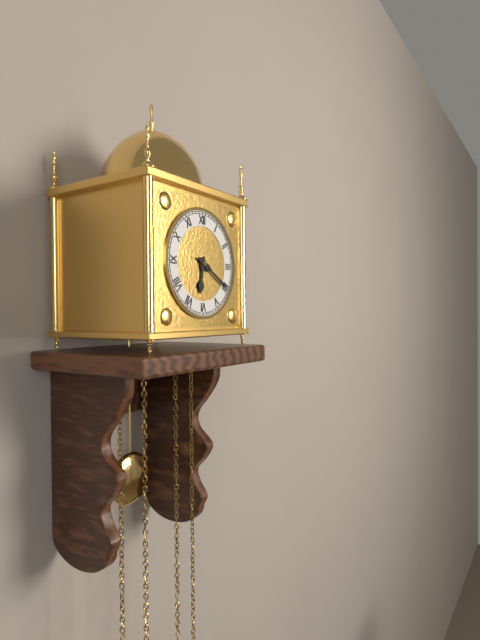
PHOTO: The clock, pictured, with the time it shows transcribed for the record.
6:20
